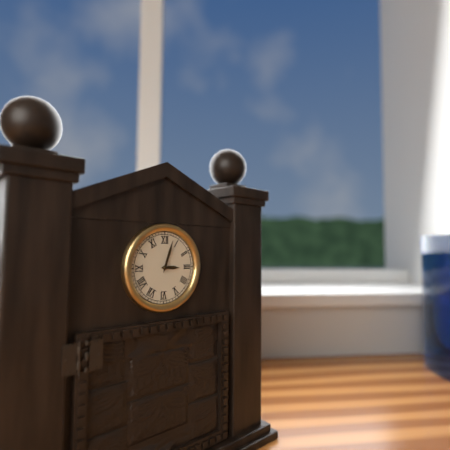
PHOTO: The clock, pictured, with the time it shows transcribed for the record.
3:03
